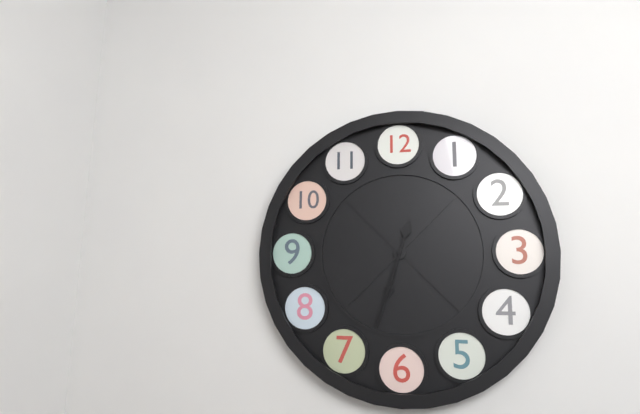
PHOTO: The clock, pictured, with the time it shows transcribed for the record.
6:33
